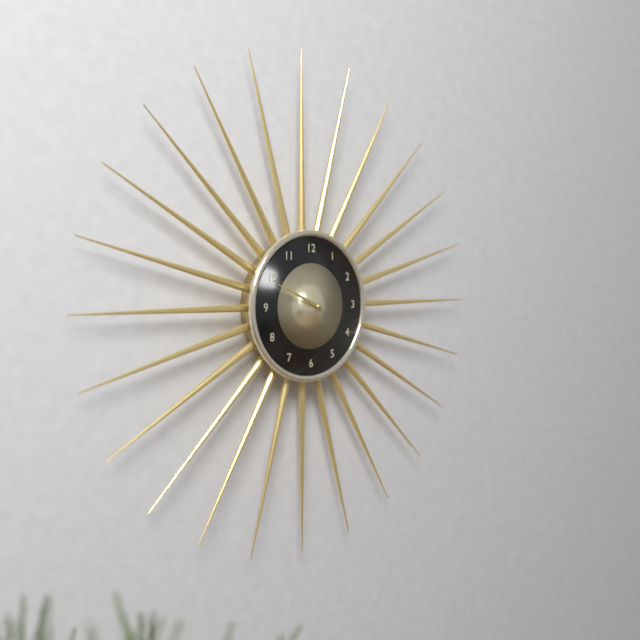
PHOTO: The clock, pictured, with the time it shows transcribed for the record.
9:49
